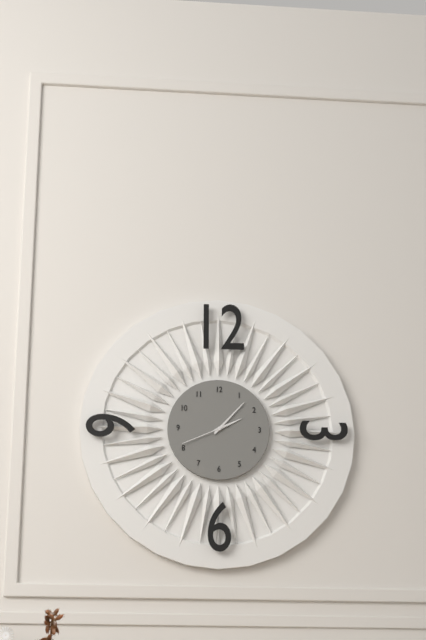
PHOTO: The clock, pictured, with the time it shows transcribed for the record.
2:07
